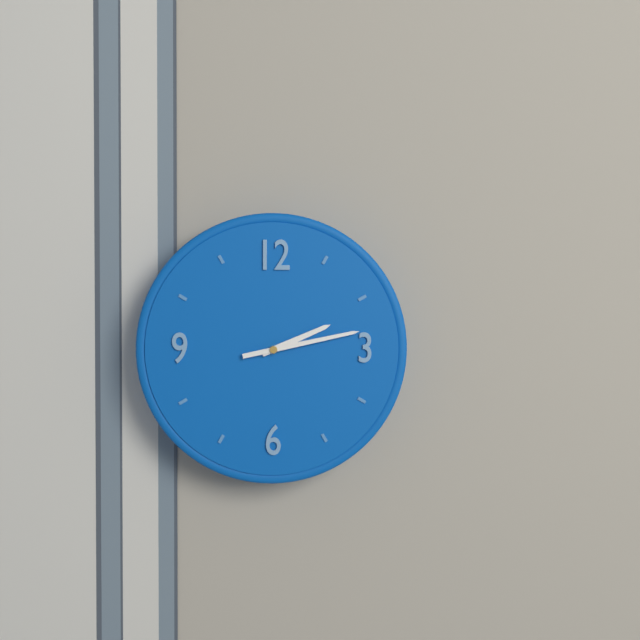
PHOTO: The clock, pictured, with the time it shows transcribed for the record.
2:13
